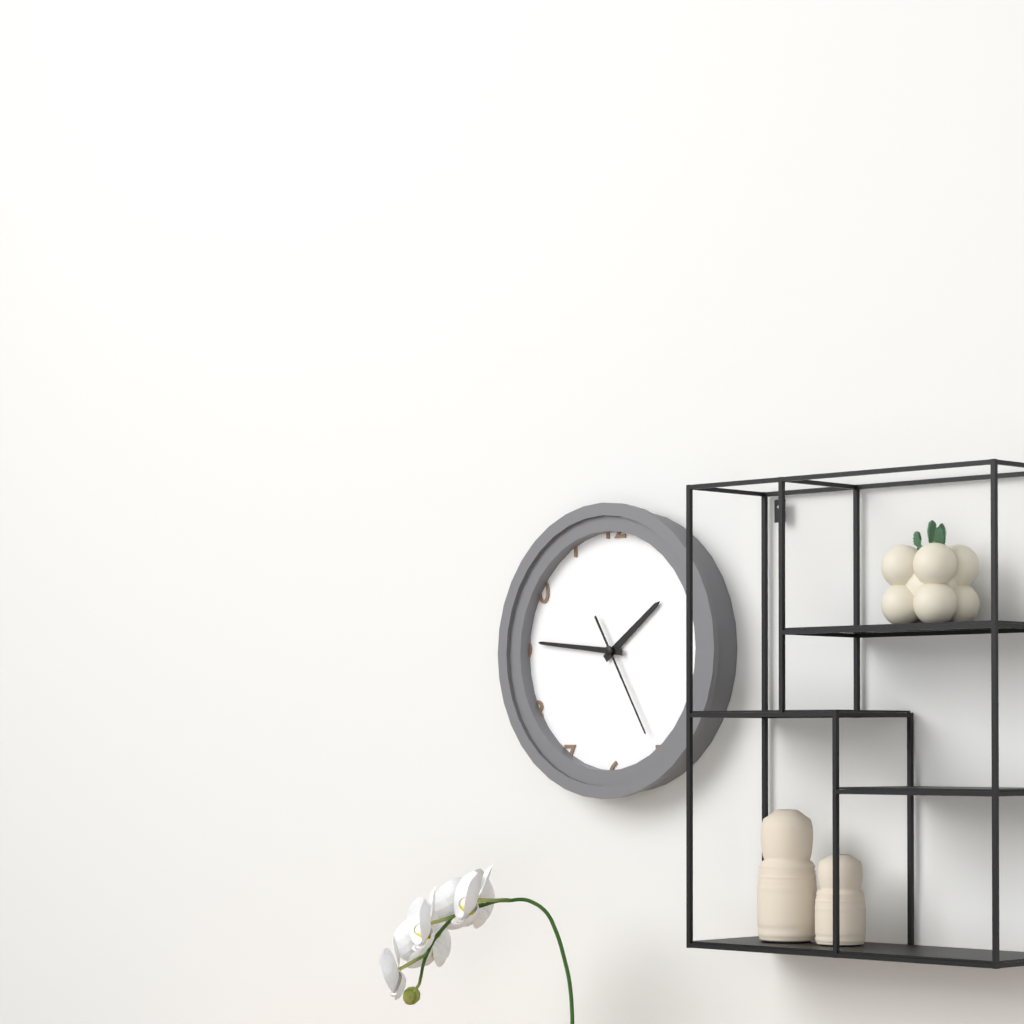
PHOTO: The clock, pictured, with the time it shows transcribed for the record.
1:46:25
